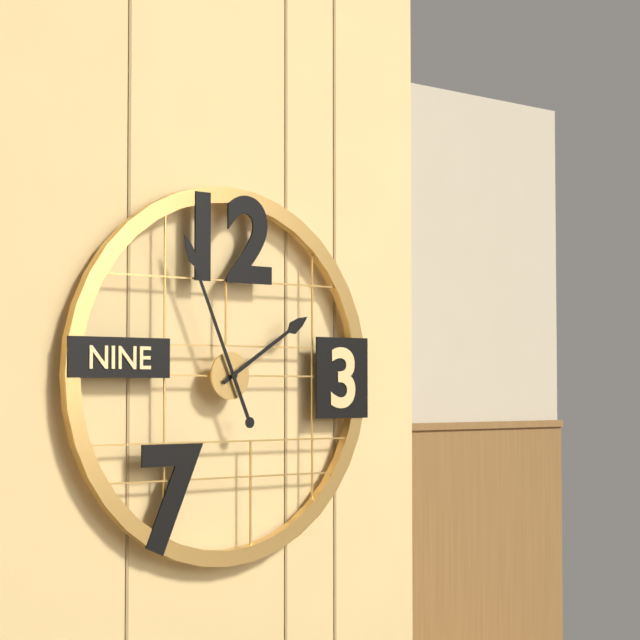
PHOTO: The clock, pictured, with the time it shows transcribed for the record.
1:56
